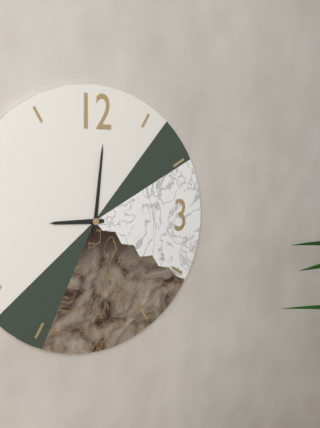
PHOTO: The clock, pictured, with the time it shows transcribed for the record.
9:01
